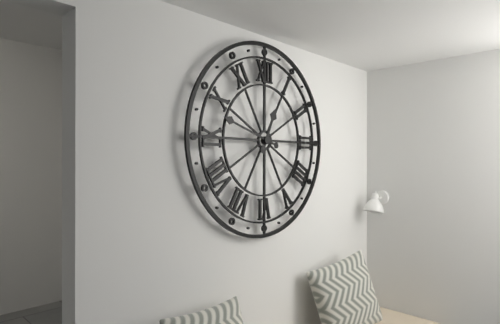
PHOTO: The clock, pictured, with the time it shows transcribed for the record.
12:48
